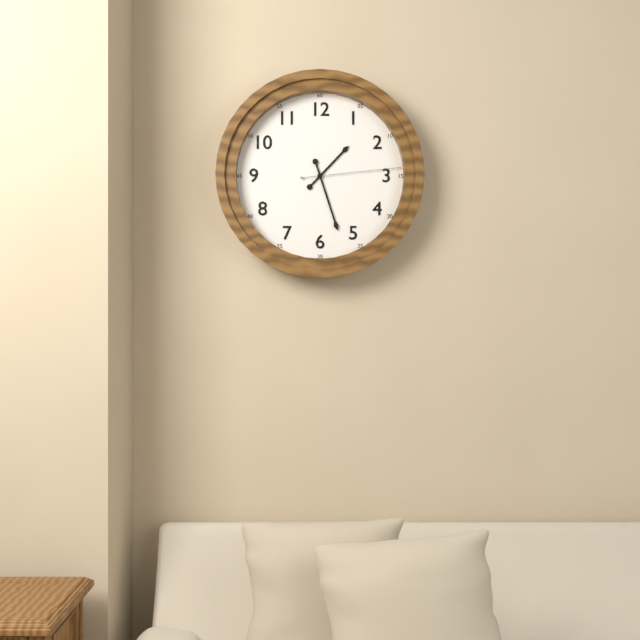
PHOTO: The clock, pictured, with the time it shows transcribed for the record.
1:27:14
